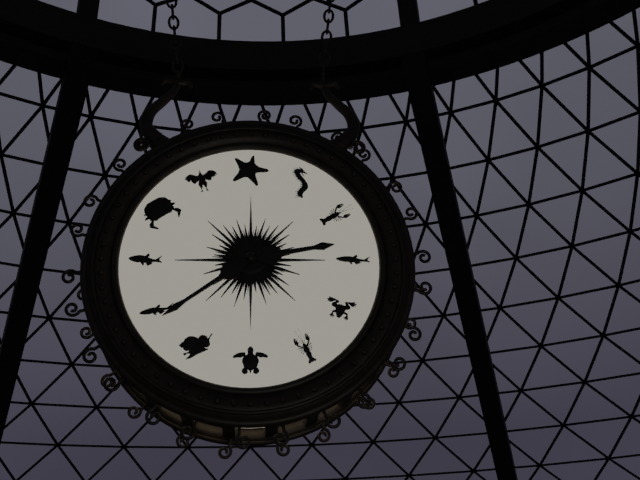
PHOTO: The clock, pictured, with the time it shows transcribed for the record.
2:39
